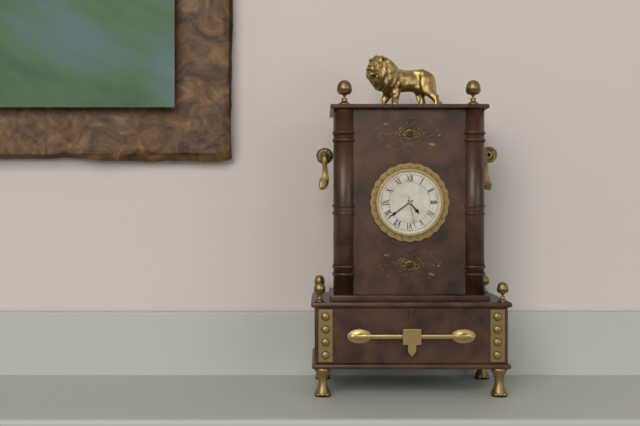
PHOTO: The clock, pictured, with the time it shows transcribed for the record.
4:39
